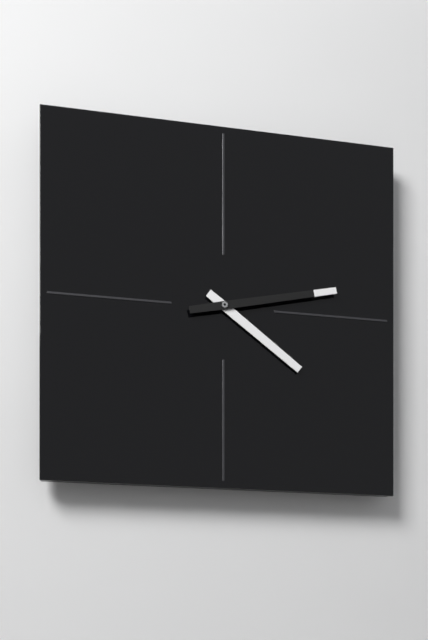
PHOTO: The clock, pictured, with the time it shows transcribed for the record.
4:13
